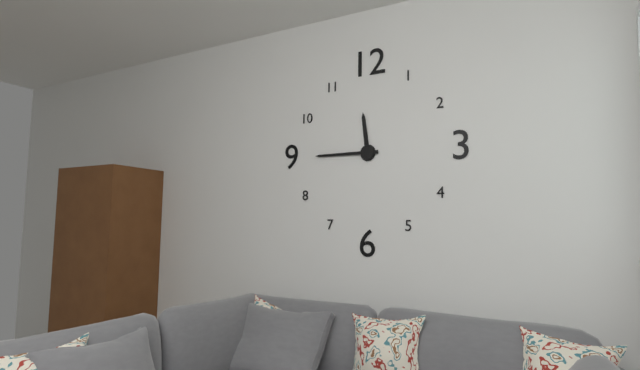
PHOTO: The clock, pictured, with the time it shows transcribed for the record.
11:45
